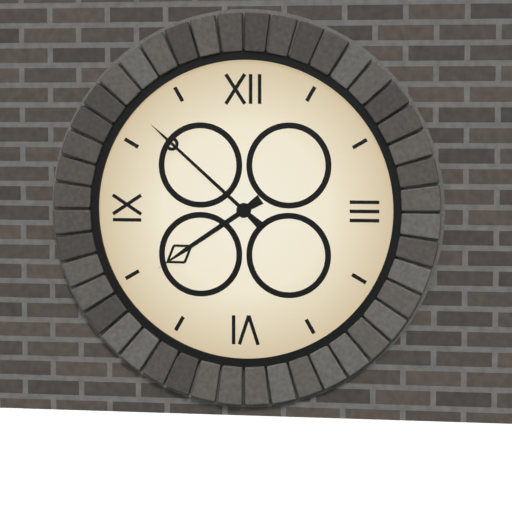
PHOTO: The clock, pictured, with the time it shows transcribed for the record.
7:52
